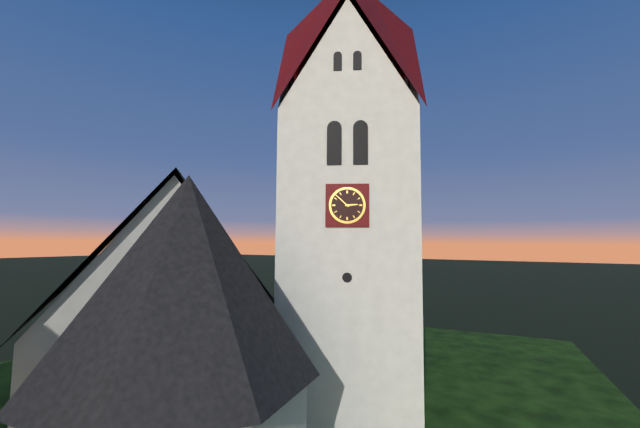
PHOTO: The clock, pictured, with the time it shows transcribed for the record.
2:52
